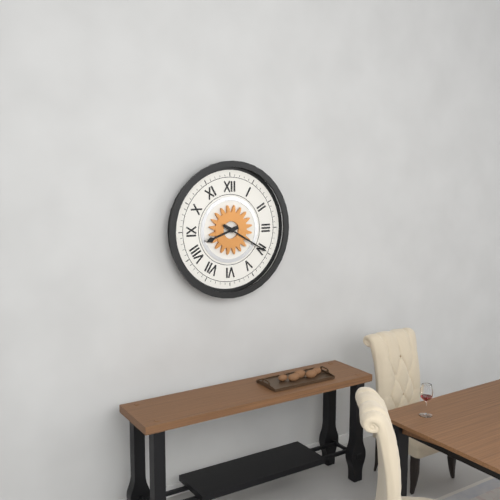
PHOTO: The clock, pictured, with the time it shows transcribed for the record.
8:20
